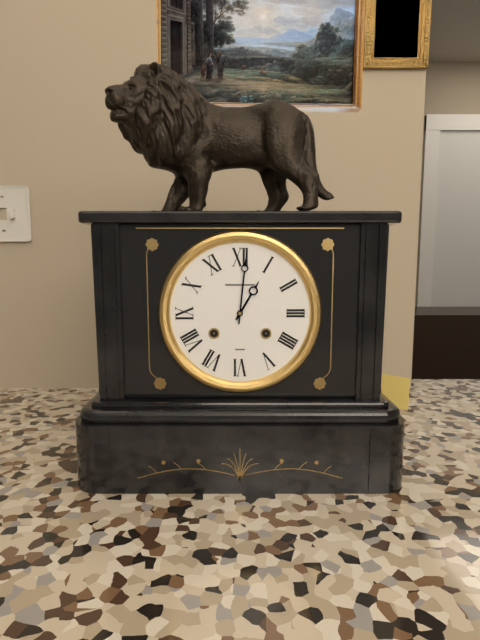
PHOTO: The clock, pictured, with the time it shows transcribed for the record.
1:01
